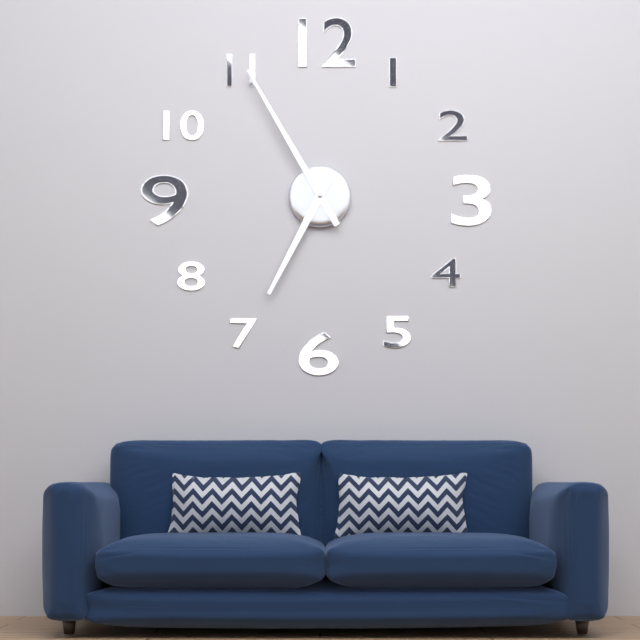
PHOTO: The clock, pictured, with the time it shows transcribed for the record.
6:55
